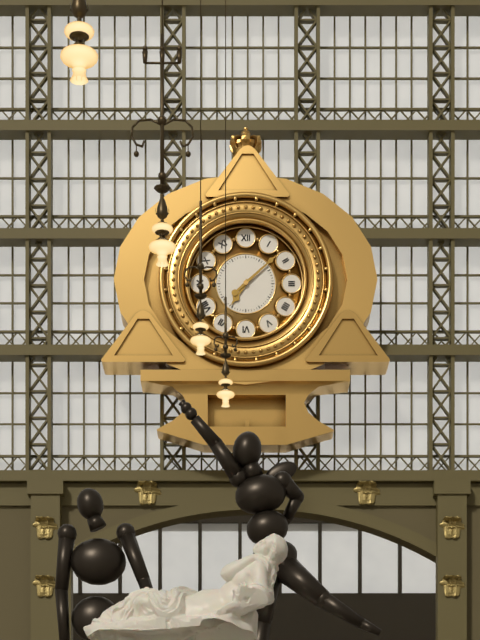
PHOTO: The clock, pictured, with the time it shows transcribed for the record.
7:08
